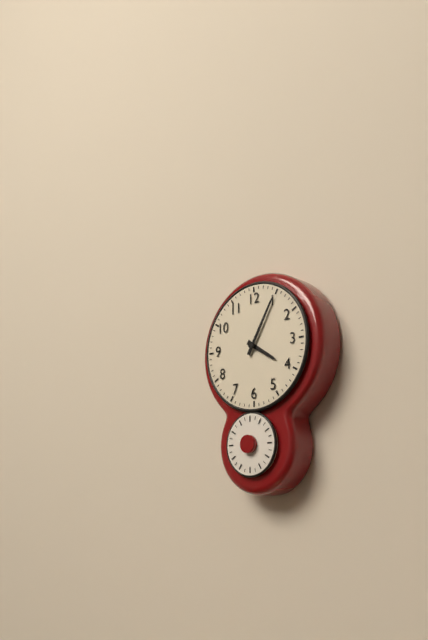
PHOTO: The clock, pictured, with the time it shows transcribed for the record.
4:05
